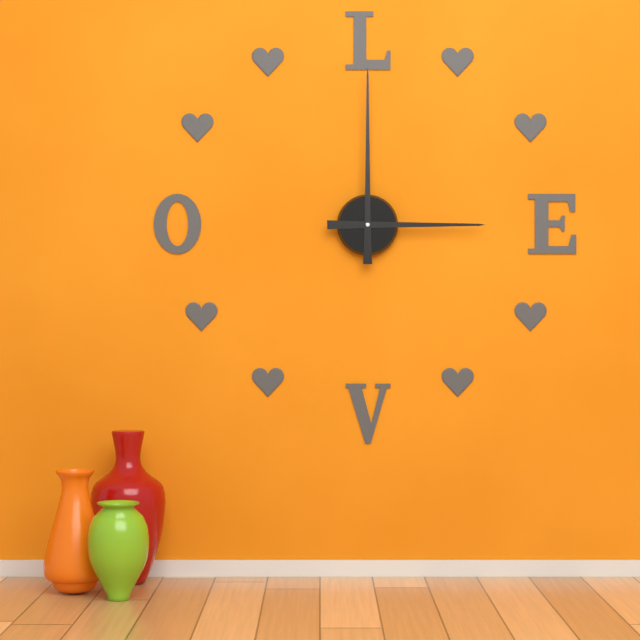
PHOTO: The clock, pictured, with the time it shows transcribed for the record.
3:00
